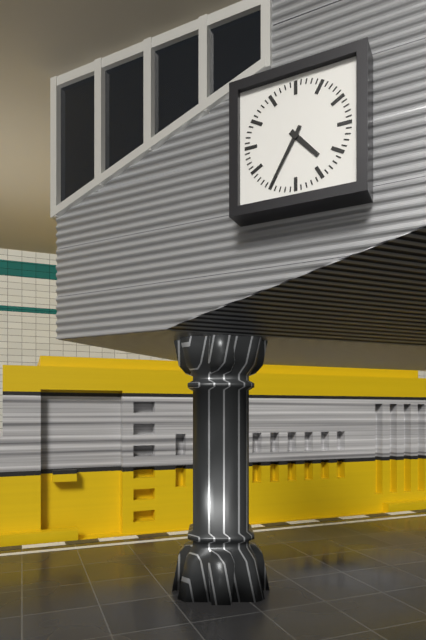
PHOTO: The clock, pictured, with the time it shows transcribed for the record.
4:35
